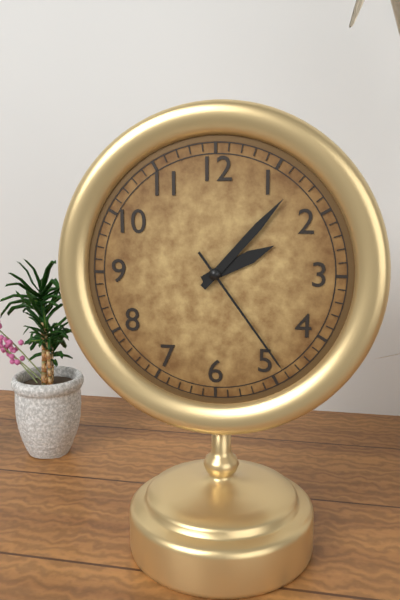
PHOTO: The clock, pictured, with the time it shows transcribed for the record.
2:07:24
